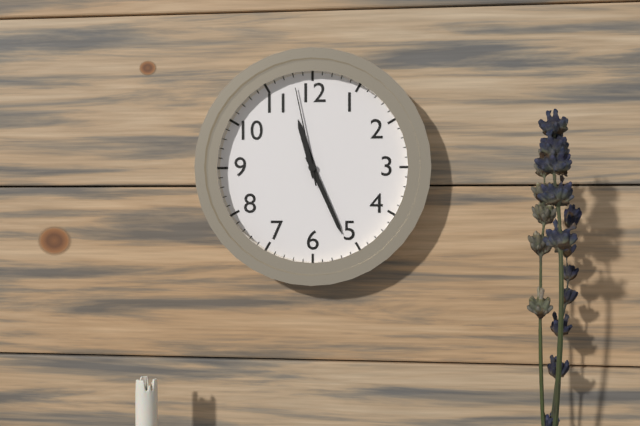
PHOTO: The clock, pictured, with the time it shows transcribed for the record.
11:26:58
